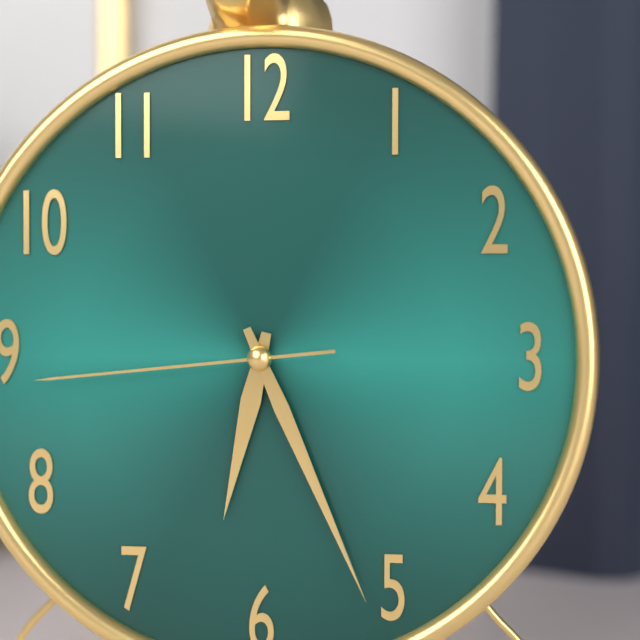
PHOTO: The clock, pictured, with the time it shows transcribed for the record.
6:26:44
